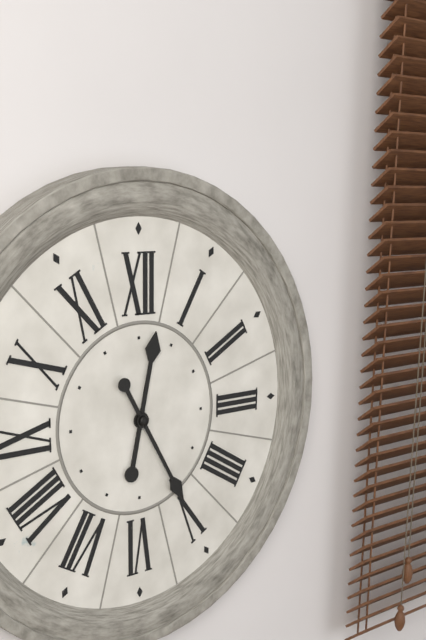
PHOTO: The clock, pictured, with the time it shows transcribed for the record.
12:25
